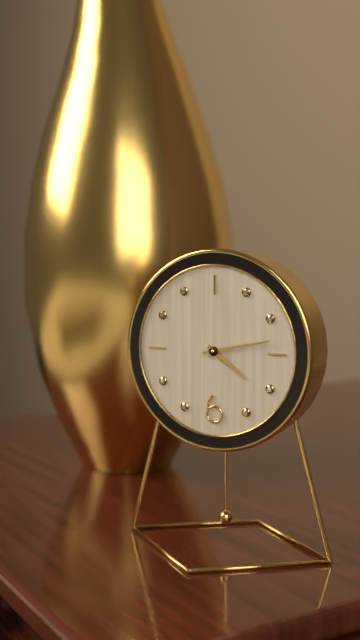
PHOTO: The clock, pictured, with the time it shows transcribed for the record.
4:13
